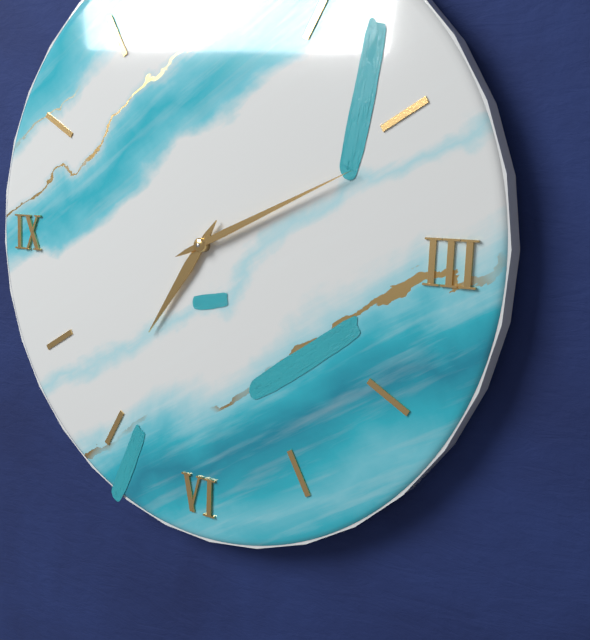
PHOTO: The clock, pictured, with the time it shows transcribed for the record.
7:11
